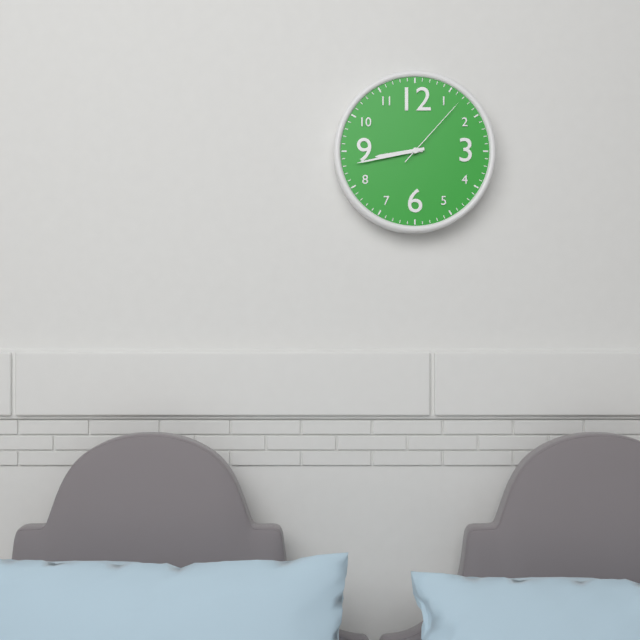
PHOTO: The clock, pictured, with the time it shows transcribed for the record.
8:43:07
